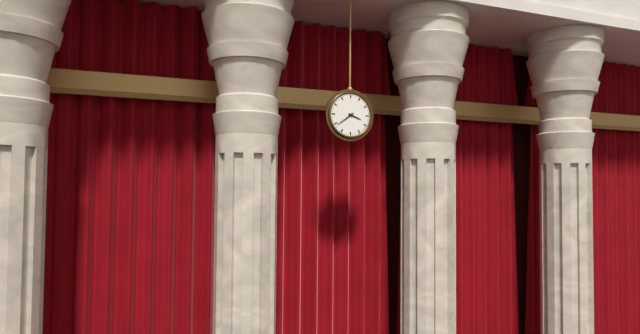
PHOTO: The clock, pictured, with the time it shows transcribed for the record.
3:39
